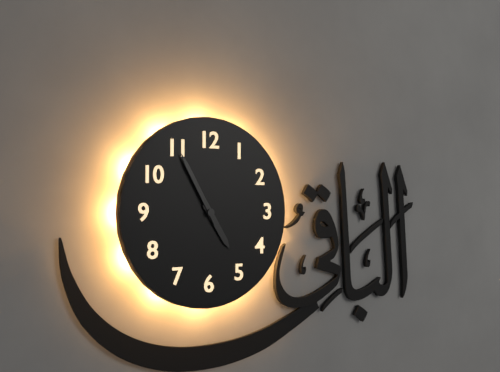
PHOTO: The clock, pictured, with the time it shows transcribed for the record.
4:55
